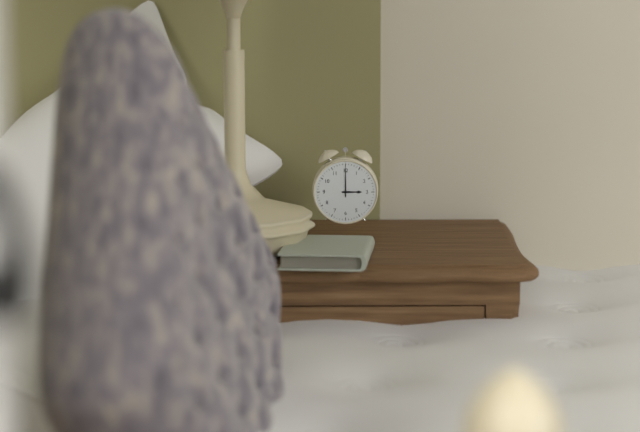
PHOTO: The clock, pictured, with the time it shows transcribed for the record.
3:00
